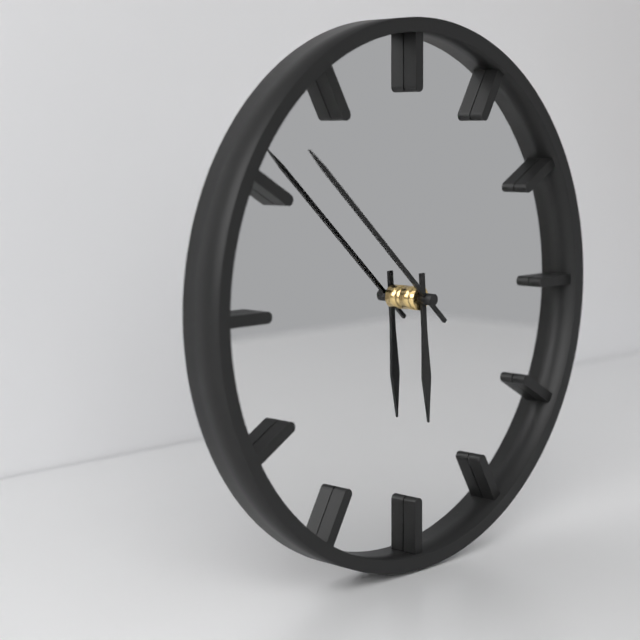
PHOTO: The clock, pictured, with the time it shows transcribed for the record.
5:52
